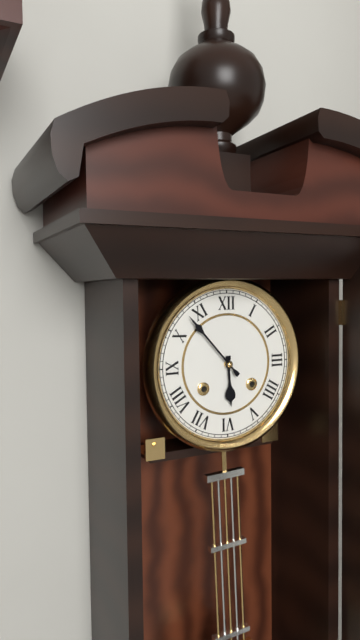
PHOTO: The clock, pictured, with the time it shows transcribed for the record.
5:53
